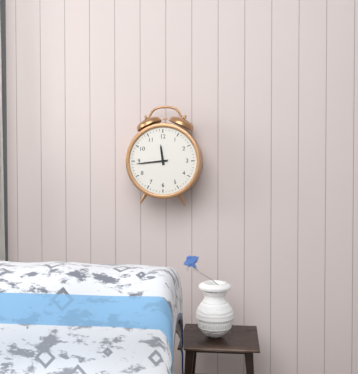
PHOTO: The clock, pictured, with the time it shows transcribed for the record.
11:44
